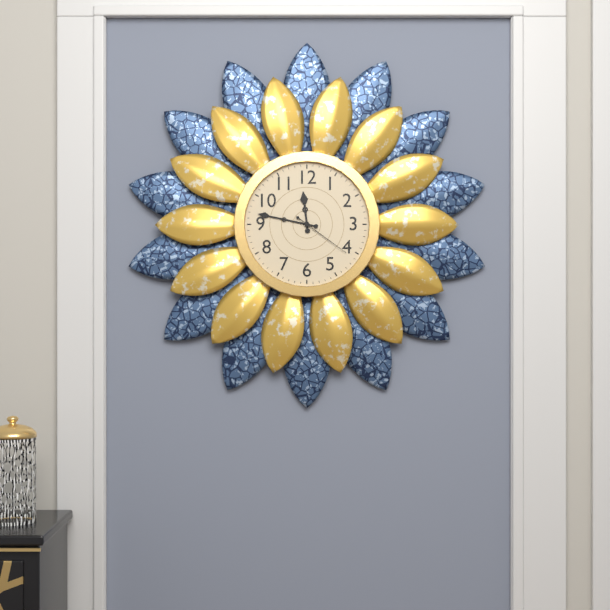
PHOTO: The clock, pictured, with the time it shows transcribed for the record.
11:47:21
